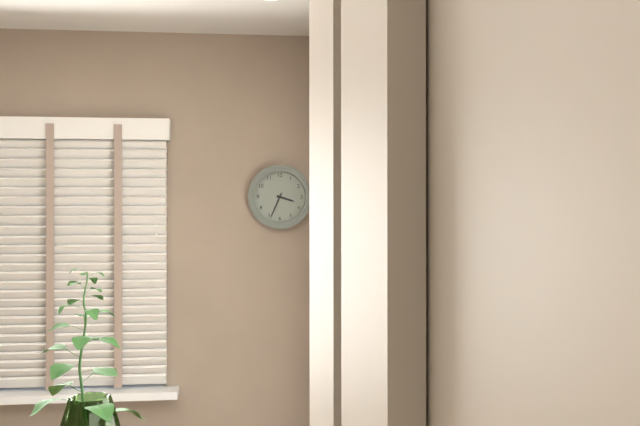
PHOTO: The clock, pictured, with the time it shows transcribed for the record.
3:34
